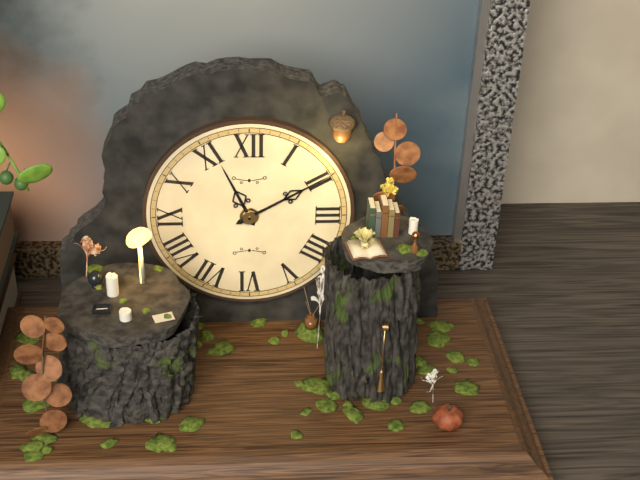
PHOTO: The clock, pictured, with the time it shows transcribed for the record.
11:10
